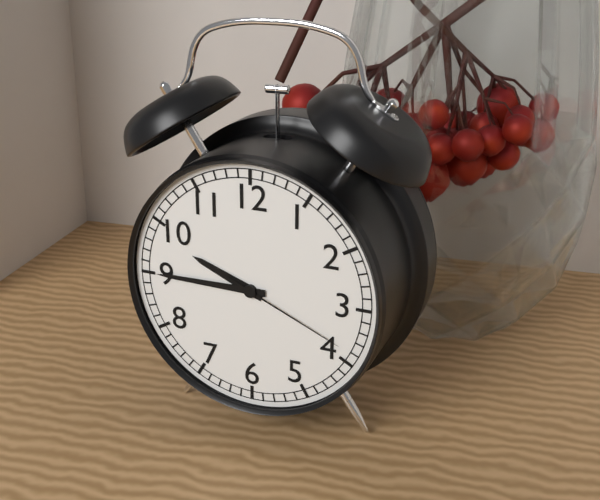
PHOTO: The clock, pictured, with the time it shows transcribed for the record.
9:45:19
